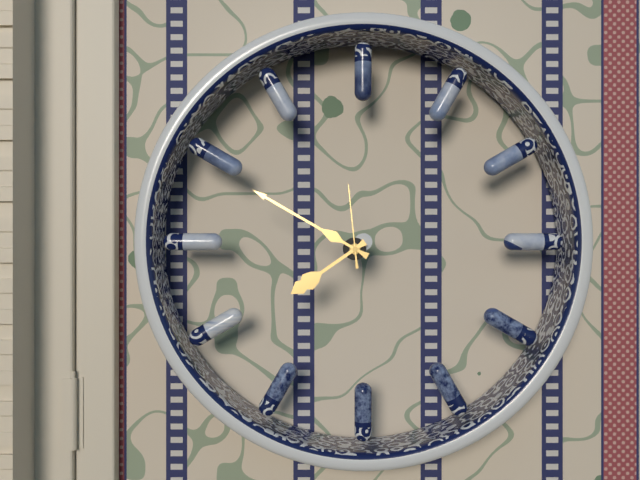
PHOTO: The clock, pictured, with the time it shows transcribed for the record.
7:50:59
